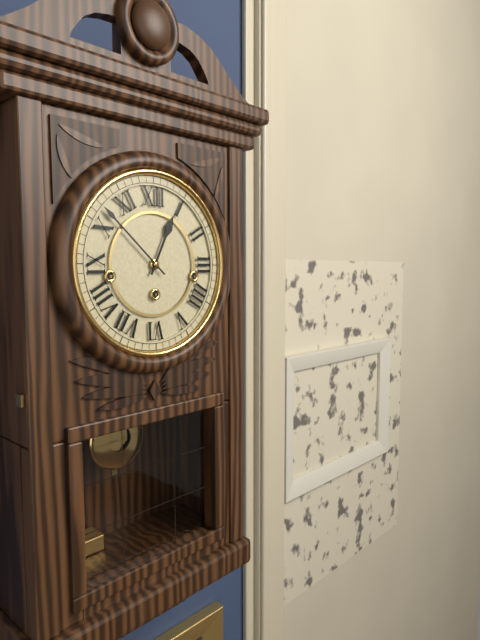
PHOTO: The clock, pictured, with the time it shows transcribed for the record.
12:52
